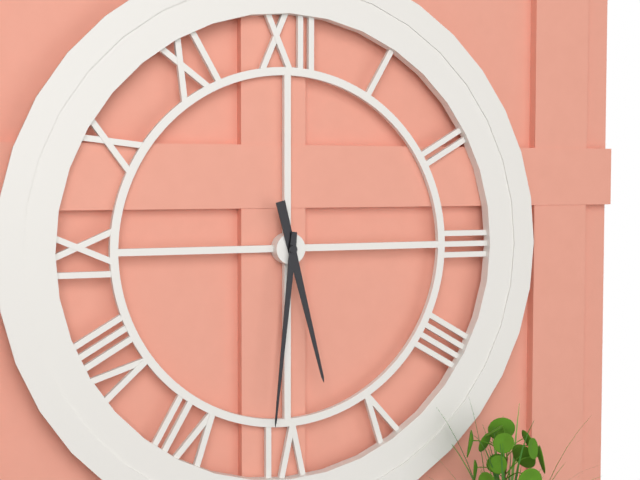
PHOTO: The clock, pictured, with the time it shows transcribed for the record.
5:31
